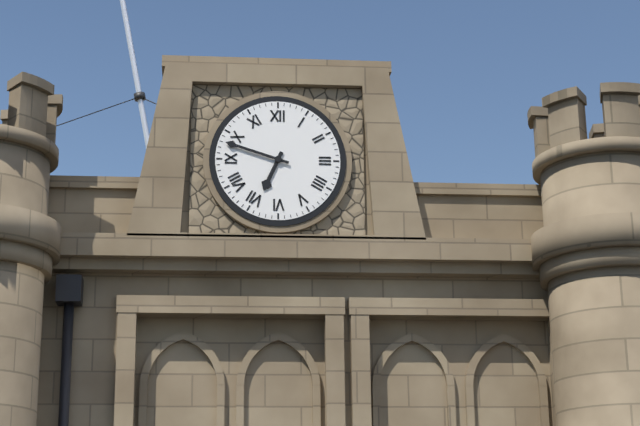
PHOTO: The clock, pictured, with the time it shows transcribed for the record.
6:48
